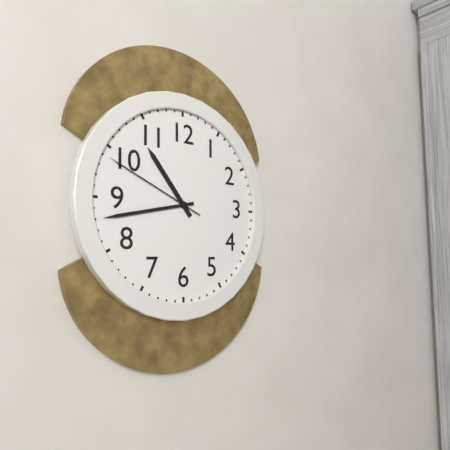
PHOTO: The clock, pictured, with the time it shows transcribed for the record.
10:43:49
